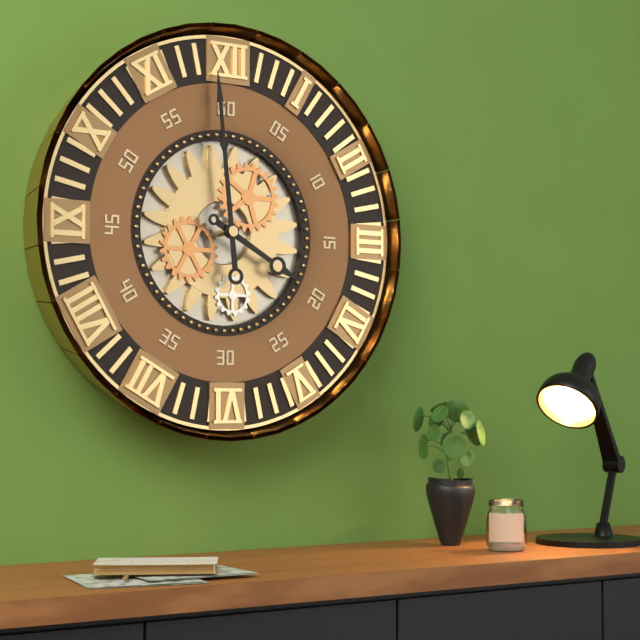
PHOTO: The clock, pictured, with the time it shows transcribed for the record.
3:59
